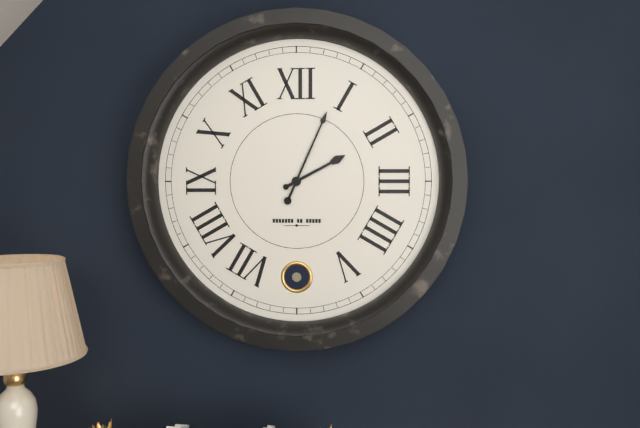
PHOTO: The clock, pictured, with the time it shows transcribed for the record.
2:04
